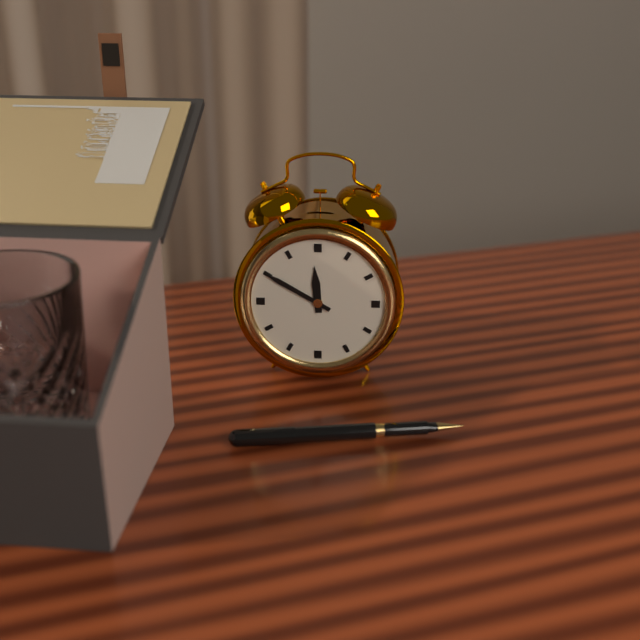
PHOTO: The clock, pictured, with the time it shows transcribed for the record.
11:50
